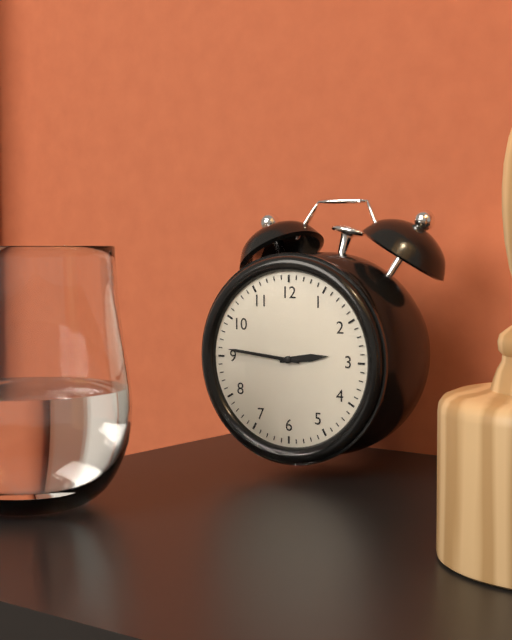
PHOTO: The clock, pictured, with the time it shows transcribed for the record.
2:46
